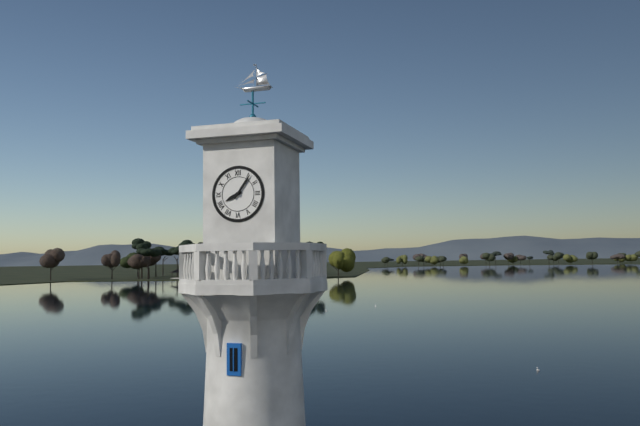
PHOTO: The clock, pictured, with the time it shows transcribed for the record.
8:06
